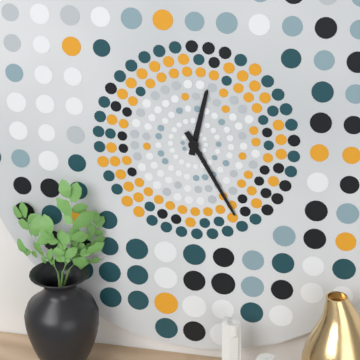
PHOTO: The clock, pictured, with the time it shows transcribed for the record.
12:25
